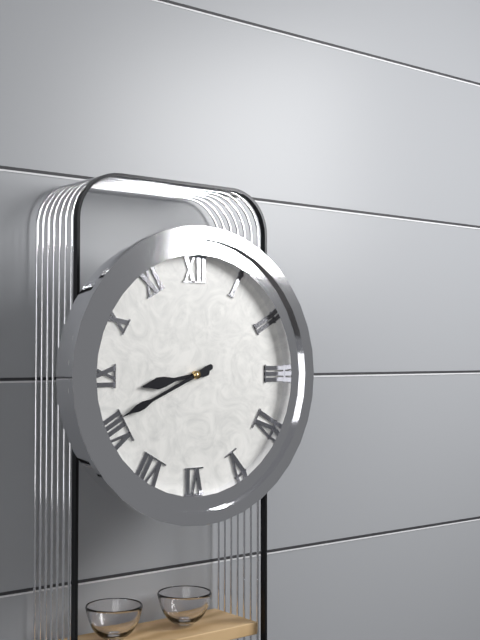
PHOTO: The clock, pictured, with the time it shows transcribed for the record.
8:41
